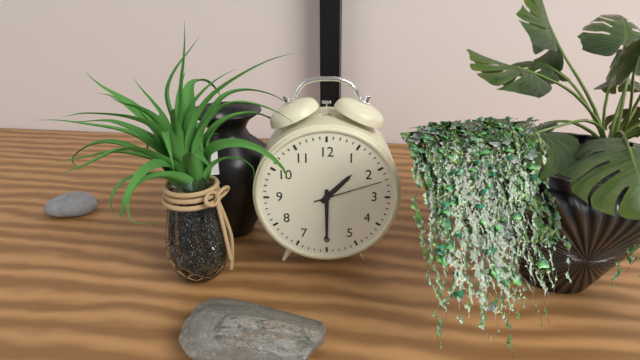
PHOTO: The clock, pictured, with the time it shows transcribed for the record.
1:30:12
